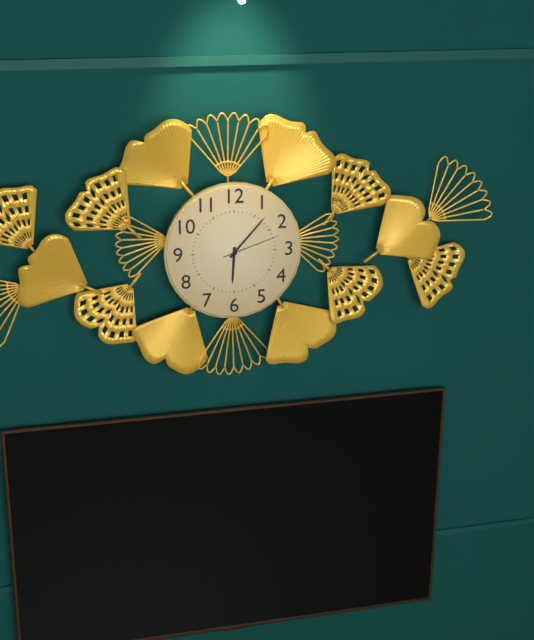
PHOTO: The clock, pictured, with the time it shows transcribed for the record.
6:07:12
